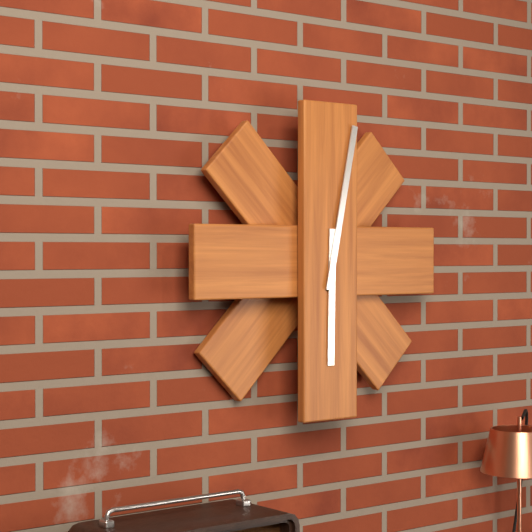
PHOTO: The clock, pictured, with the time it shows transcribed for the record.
6:02
